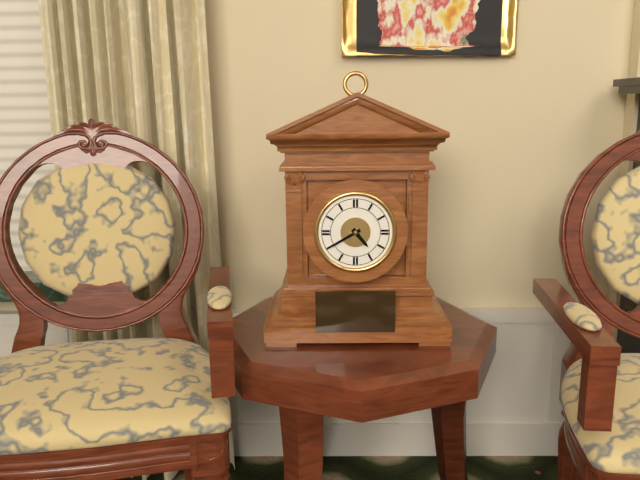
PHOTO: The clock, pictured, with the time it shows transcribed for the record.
4:40
